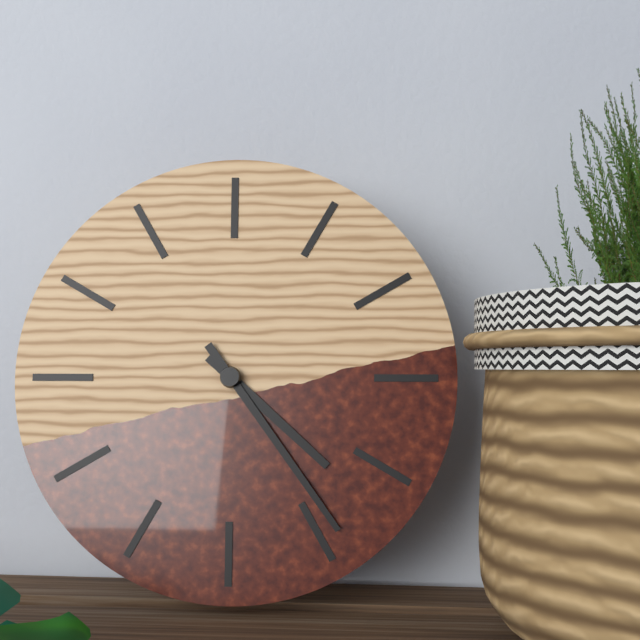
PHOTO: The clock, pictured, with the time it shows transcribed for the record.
4:24
